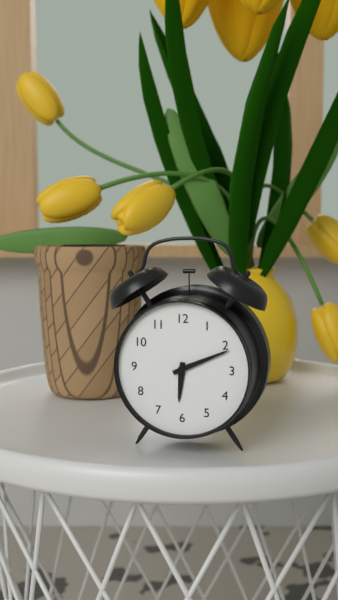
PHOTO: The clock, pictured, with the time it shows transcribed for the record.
6:11
